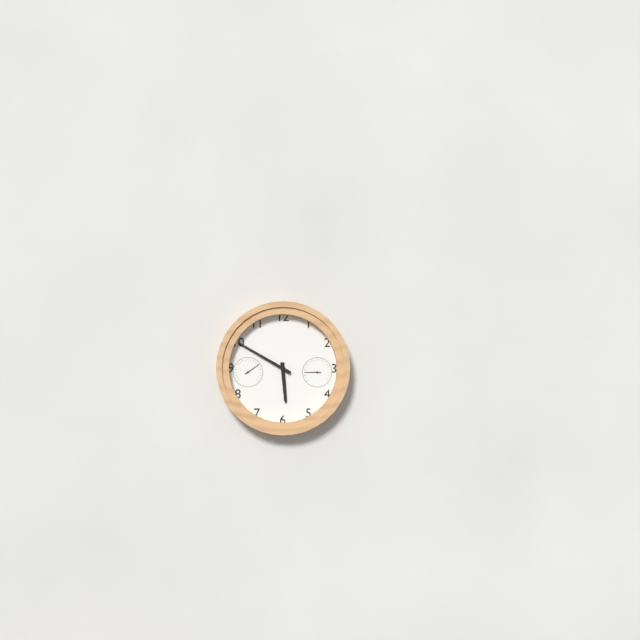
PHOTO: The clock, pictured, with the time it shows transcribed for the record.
5:50
